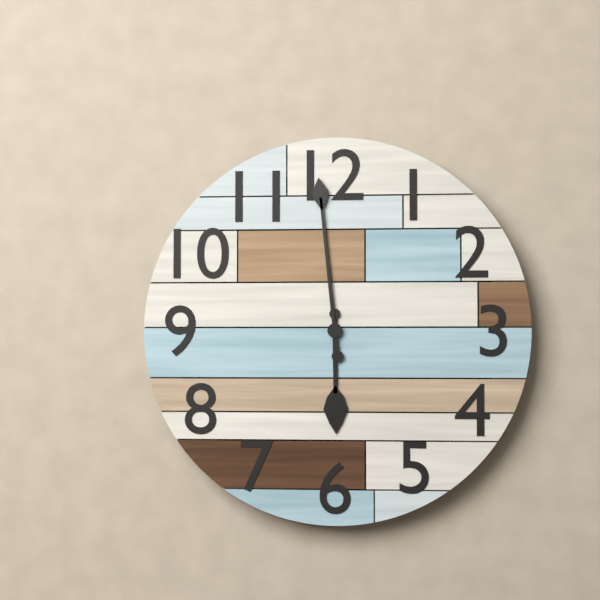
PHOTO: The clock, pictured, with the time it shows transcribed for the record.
5:59
